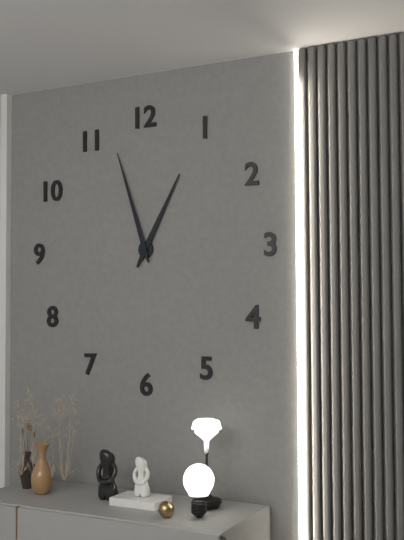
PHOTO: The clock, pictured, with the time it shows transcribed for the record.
12:57
